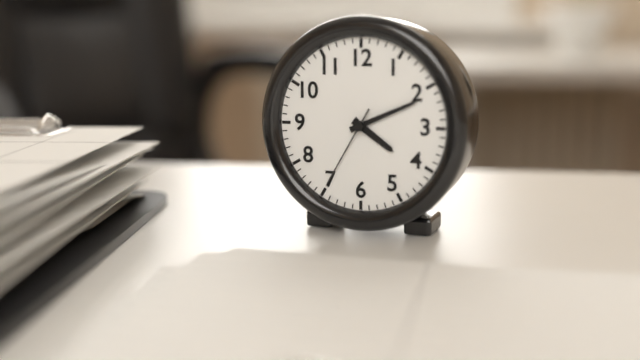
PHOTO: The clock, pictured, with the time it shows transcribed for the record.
4:11:35
